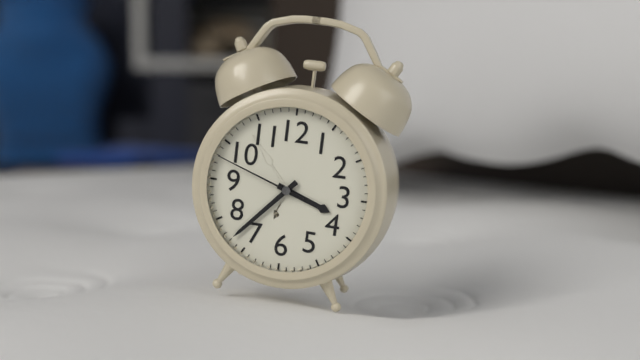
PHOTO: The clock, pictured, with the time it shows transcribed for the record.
3:37:48
